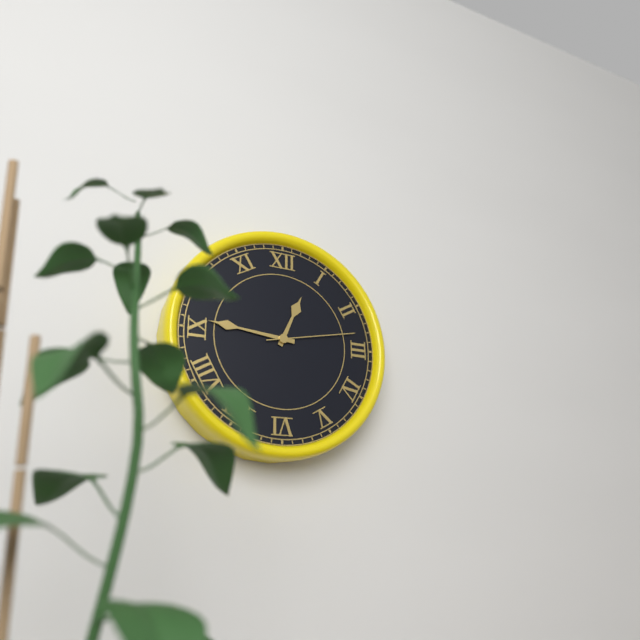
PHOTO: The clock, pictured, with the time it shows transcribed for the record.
12:46:13
